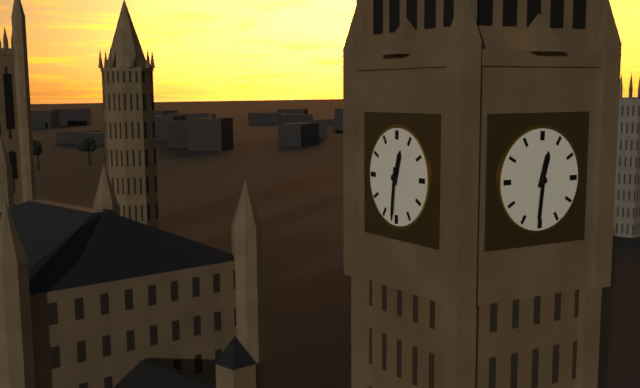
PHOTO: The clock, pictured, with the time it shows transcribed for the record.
12:31
